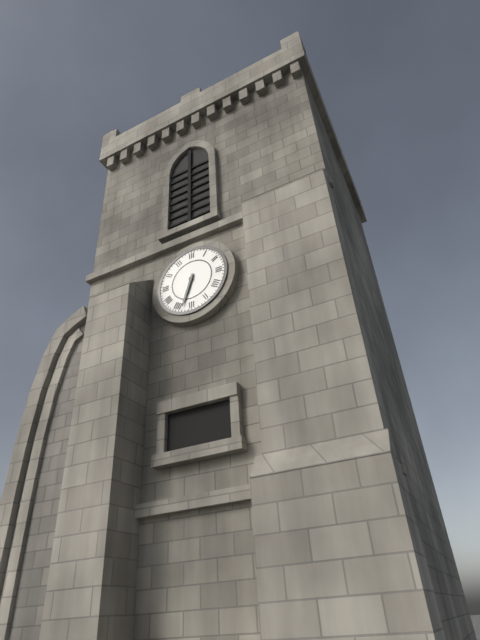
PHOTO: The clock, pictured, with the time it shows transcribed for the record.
6:33
